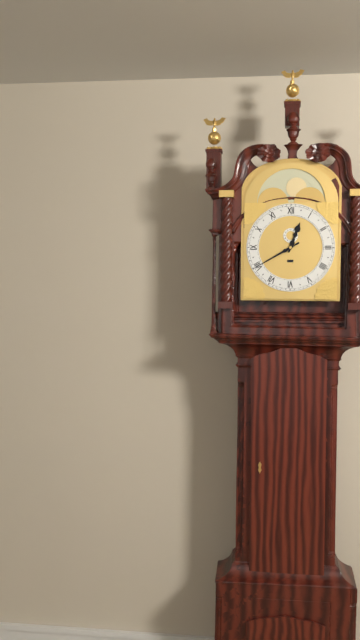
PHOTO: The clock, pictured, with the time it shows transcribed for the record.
12:40
